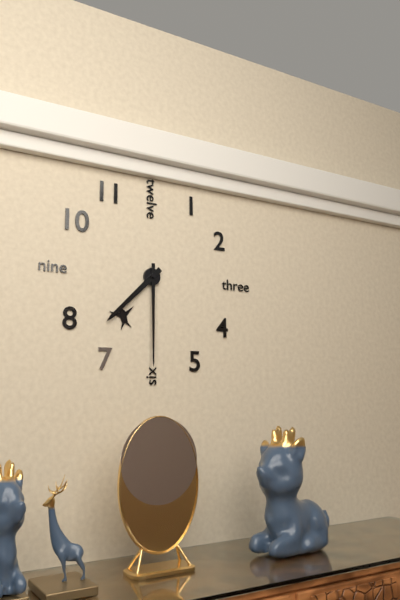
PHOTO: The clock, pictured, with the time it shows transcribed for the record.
7:30
